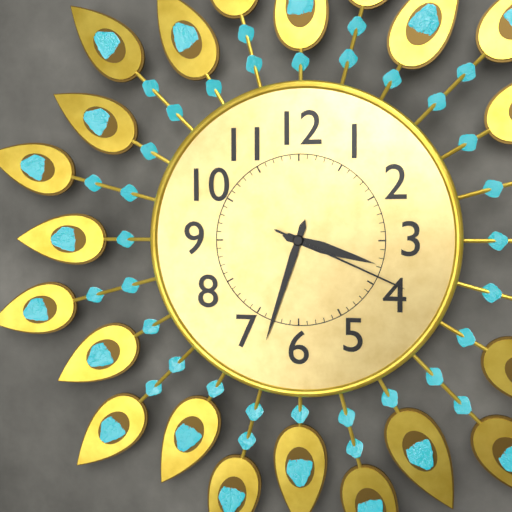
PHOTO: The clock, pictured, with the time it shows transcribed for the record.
3:33:19
